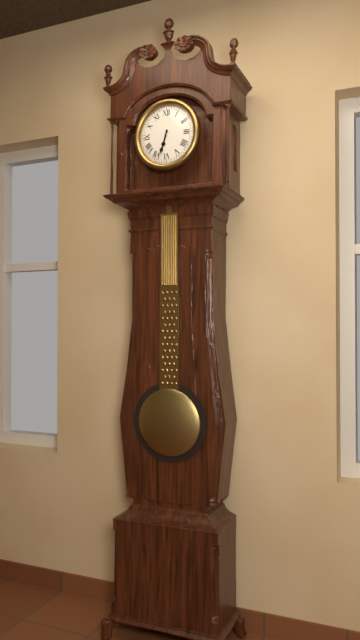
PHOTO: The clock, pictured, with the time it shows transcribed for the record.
6:33
